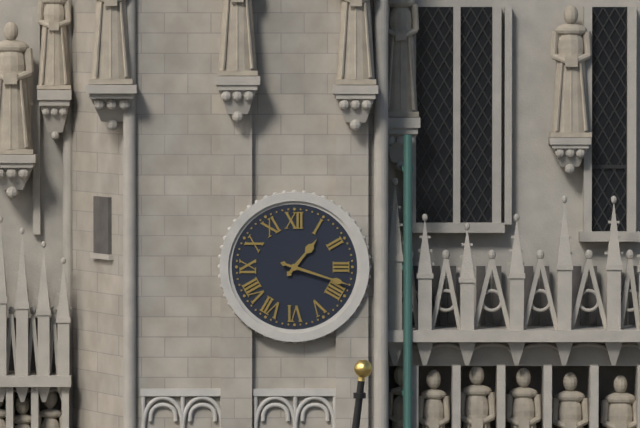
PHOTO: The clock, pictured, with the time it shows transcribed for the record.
1:18
